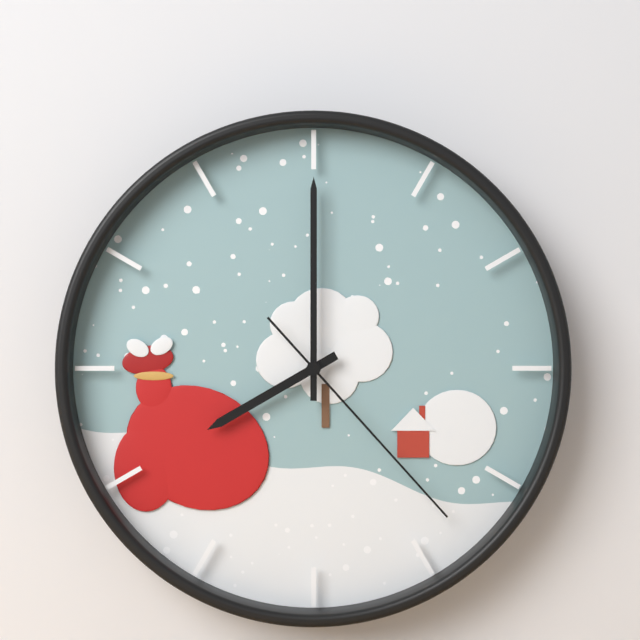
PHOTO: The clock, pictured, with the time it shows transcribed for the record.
8:00:23
